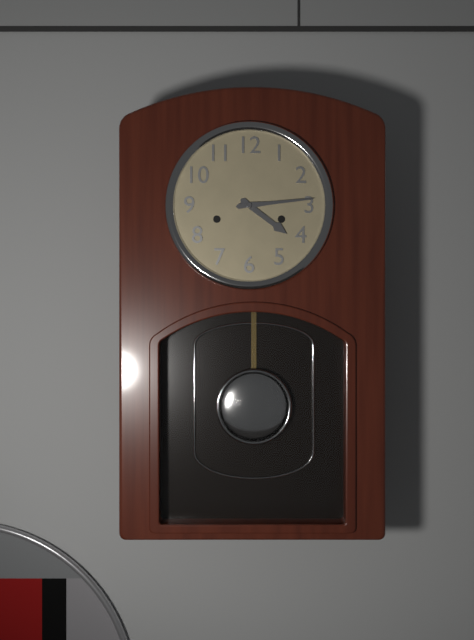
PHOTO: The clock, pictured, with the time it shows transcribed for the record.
4:14
